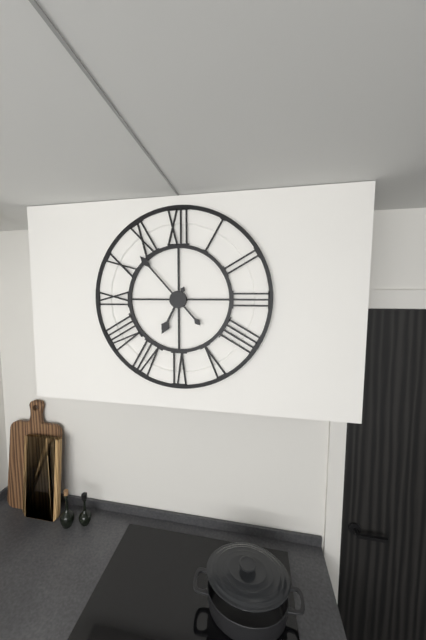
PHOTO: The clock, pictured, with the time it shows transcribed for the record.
6:53
